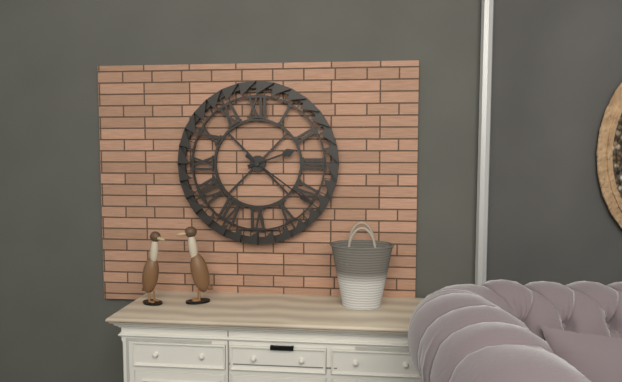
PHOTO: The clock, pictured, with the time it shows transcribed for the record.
2:21
